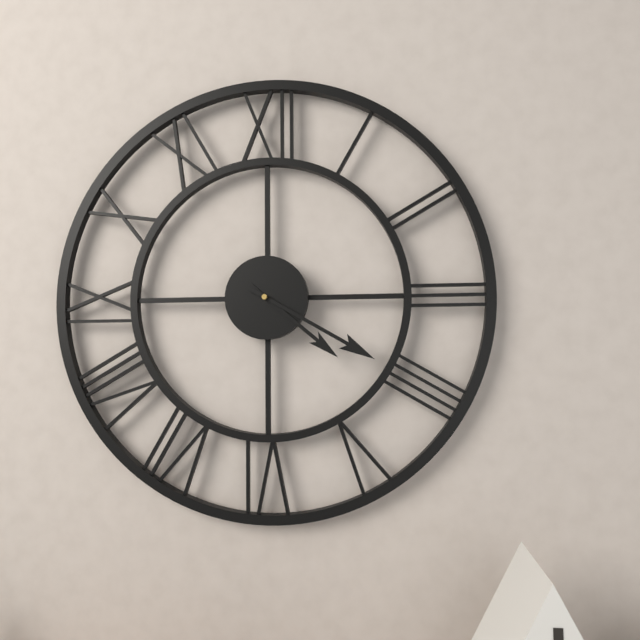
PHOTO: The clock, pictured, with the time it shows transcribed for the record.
4:20
